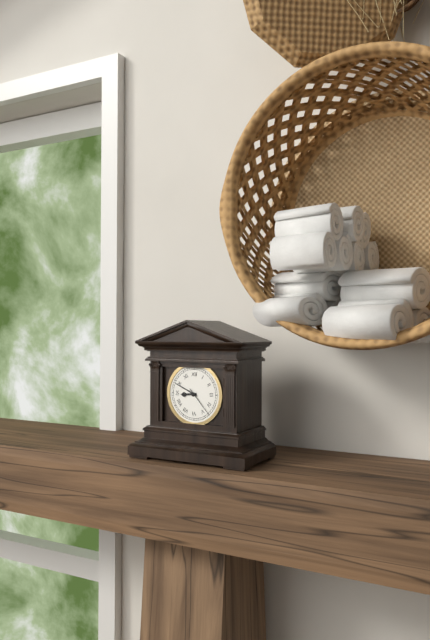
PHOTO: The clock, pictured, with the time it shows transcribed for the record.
8:49
